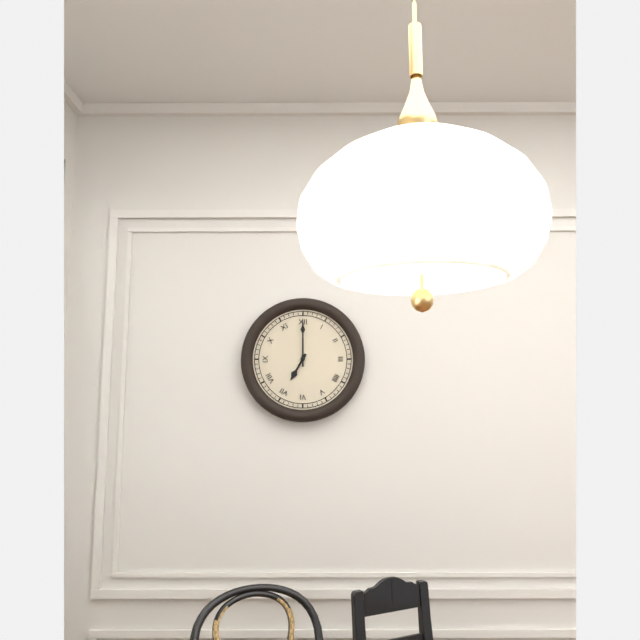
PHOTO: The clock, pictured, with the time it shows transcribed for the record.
7:00
